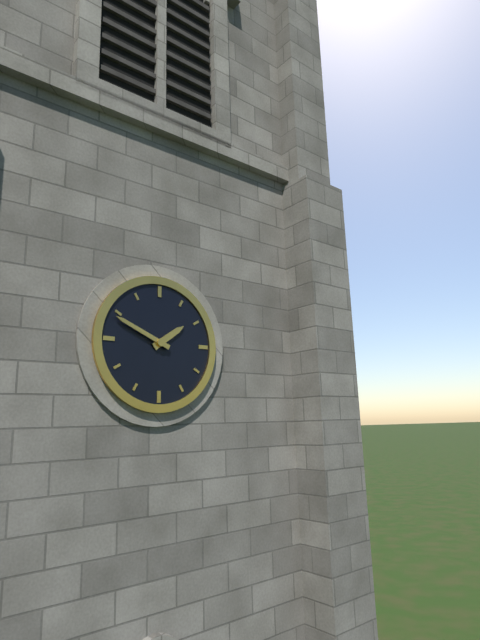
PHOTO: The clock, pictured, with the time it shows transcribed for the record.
1:49
